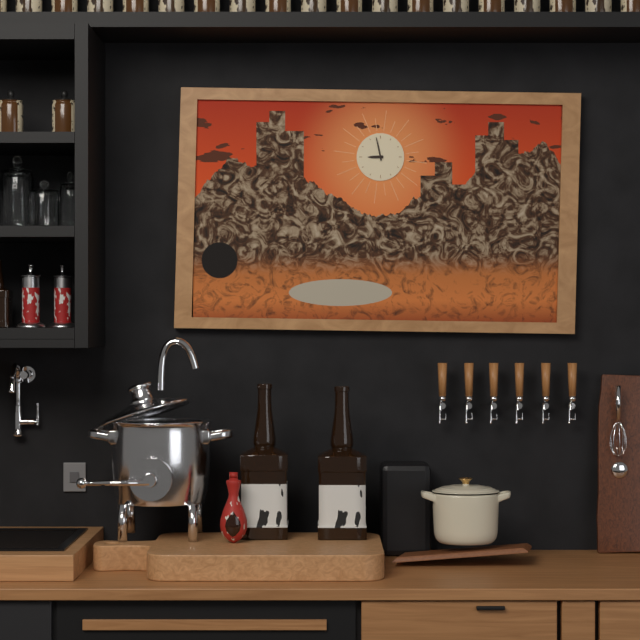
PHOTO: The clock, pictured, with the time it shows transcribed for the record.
8:58
